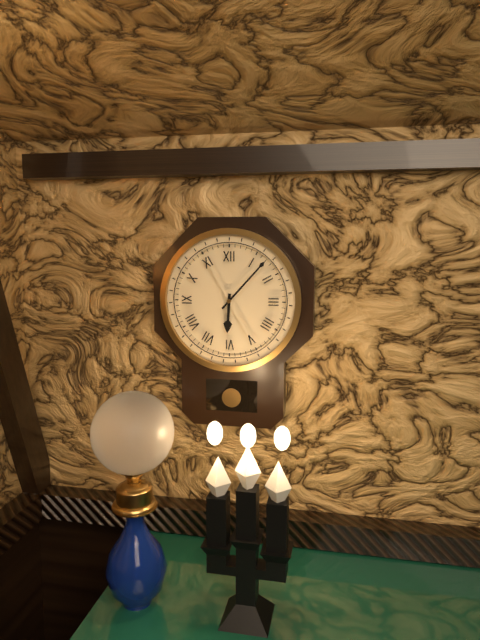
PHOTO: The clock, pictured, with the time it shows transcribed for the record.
6:07
